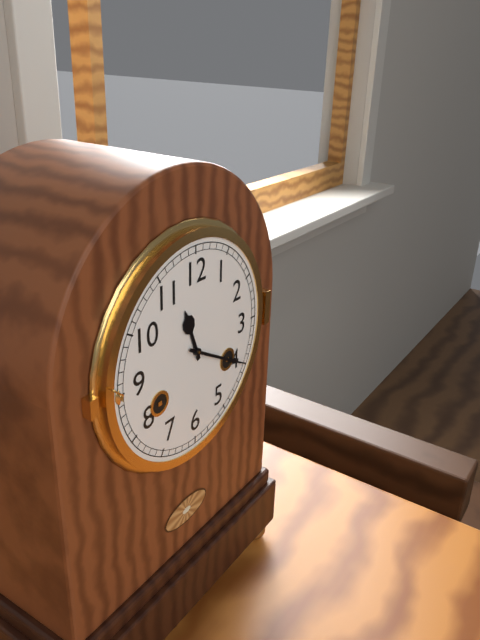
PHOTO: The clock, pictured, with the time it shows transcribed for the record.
11:20
